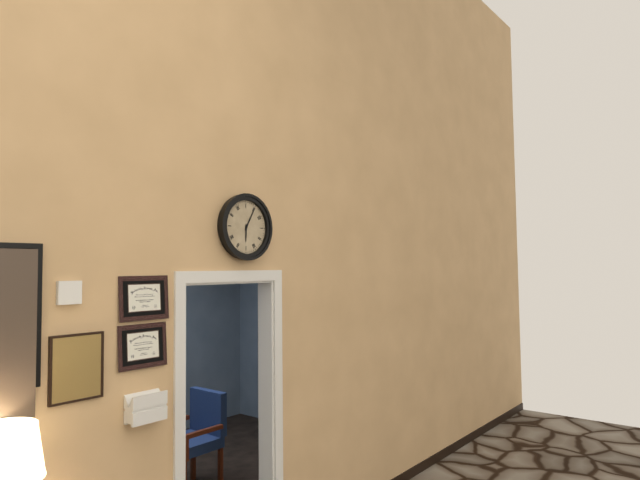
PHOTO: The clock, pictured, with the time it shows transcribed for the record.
6:05
